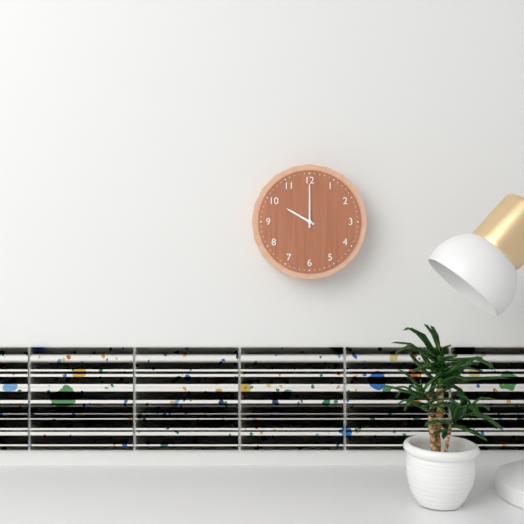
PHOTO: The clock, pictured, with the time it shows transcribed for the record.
10:00
